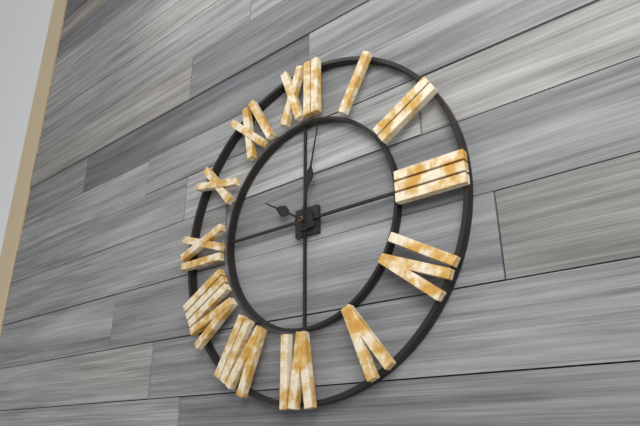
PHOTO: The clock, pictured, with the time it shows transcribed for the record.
10:02
